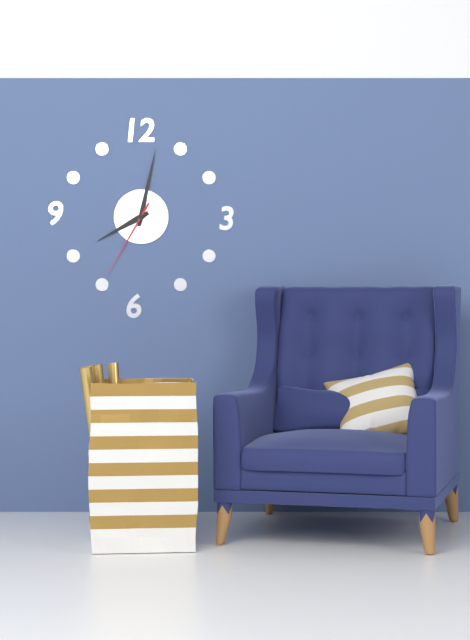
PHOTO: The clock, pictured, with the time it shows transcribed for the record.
8:02:35
